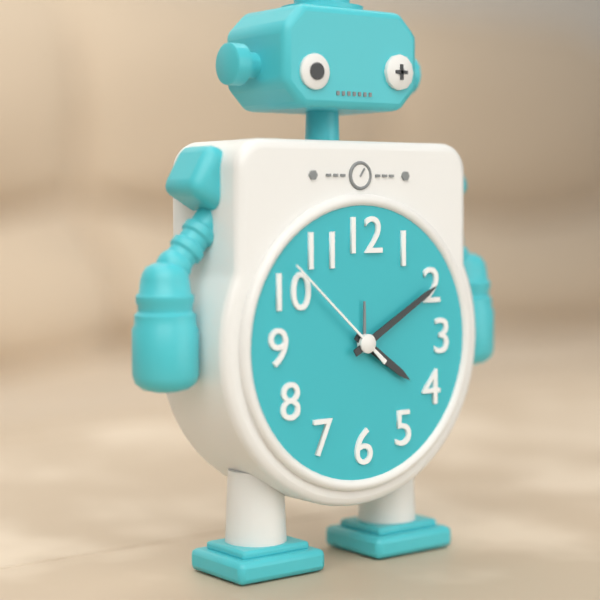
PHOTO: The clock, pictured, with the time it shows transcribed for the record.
4:10:52
